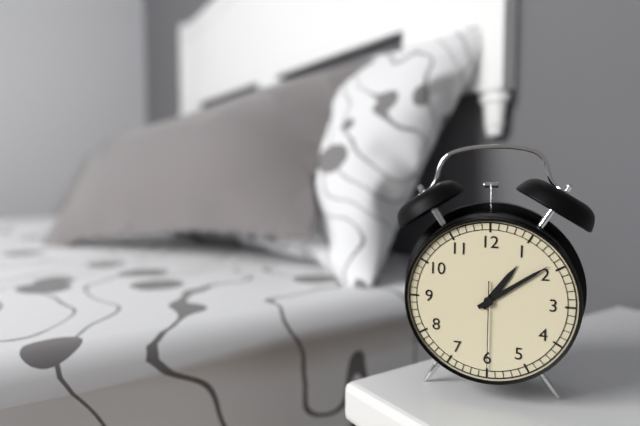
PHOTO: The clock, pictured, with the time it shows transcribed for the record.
1:09:30
